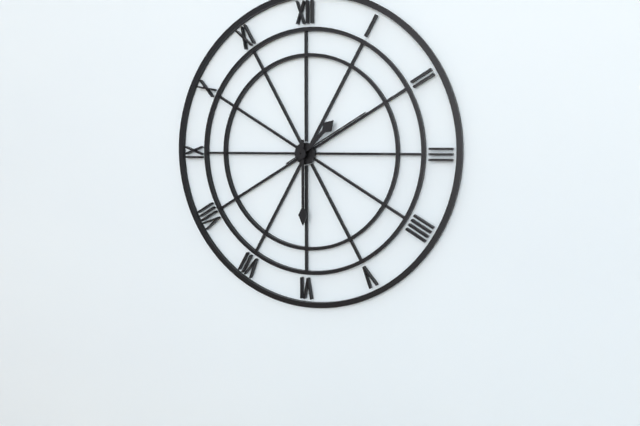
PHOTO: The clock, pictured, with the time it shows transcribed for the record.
1:30:10
